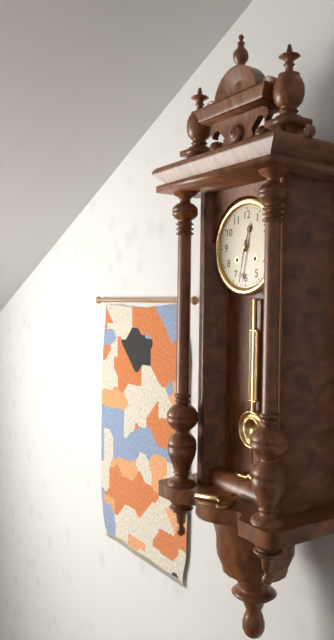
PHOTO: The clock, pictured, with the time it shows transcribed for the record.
12:32
